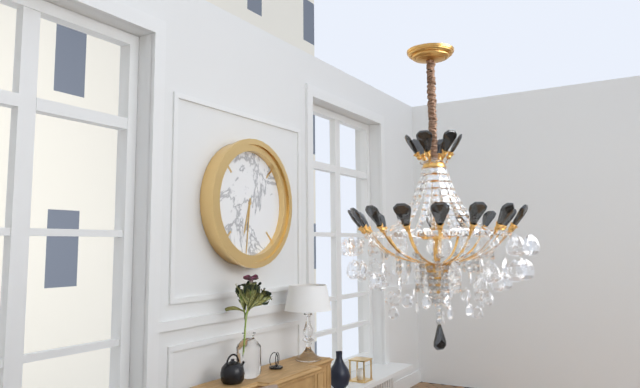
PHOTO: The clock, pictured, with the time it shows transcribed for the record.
6:31
